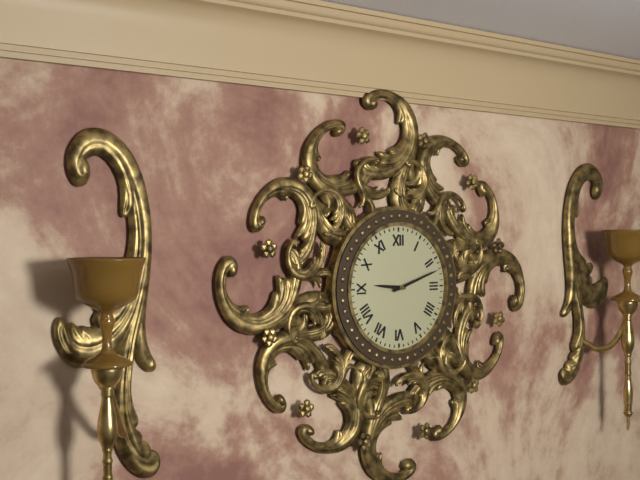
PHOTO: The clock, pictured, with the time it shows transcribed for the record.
9:12
